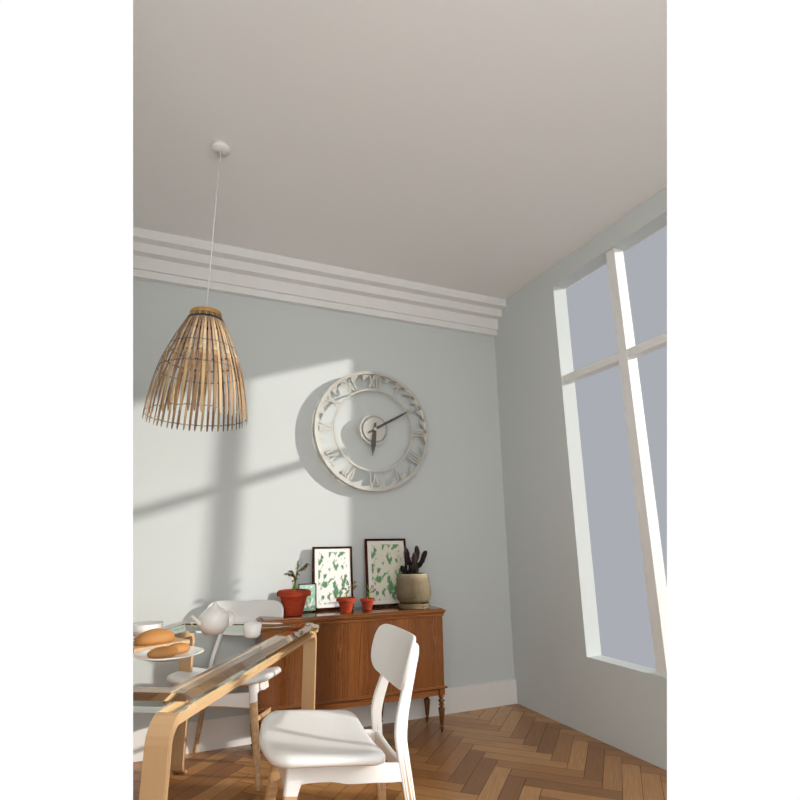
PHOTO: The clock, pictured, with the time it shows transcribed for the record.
6:10
